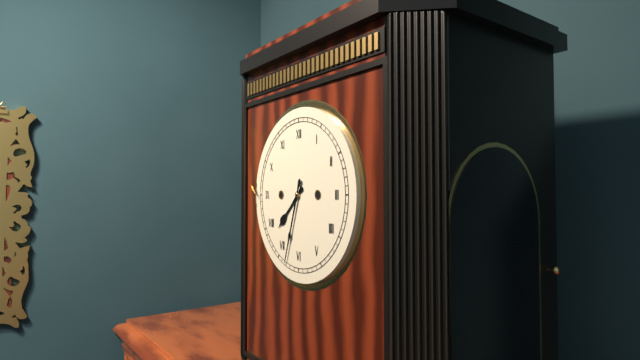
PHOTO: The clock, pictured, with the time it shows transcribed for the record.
7:33
